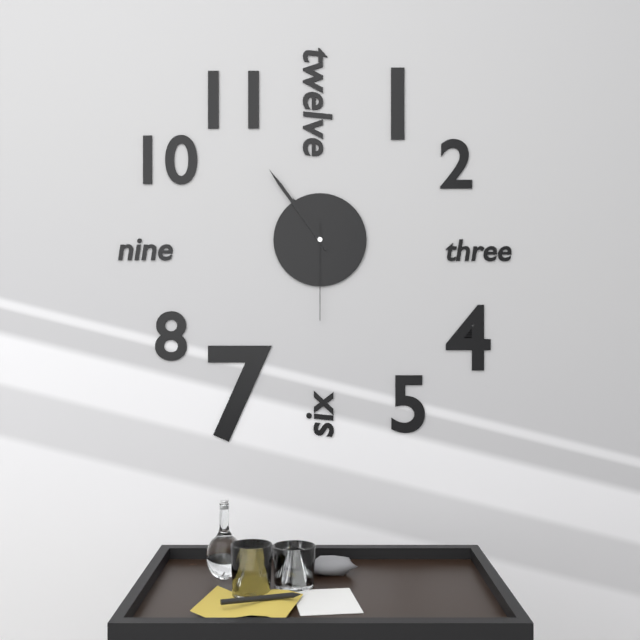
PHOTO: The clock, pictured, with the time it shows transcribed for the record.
10:54:30
